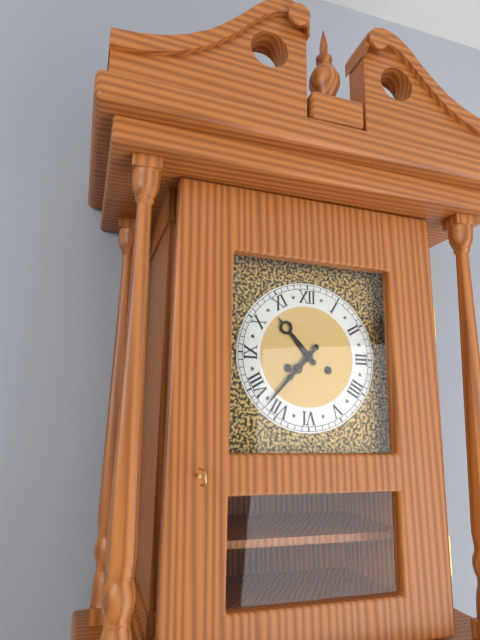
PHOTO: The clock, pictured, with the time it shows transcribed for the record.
10:37
